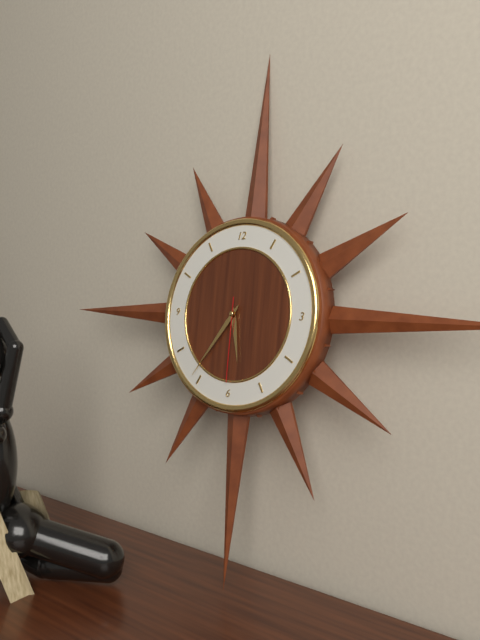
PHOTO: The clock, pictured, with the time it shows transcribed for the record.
5:36:30
